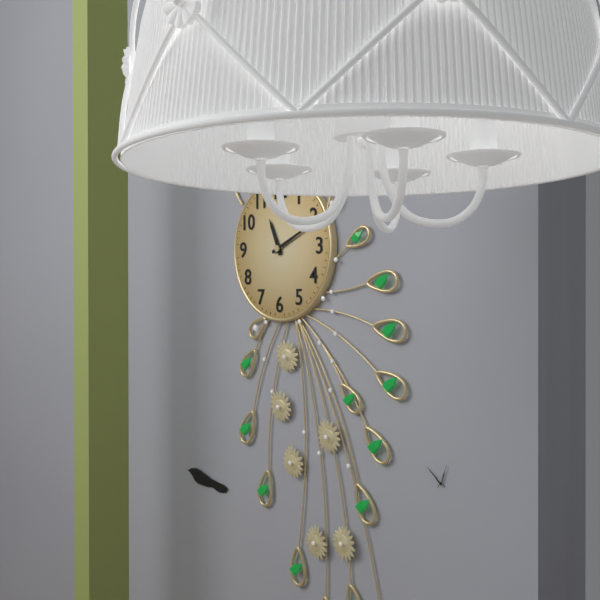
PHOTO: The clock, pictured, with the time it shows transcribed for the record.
11:11
